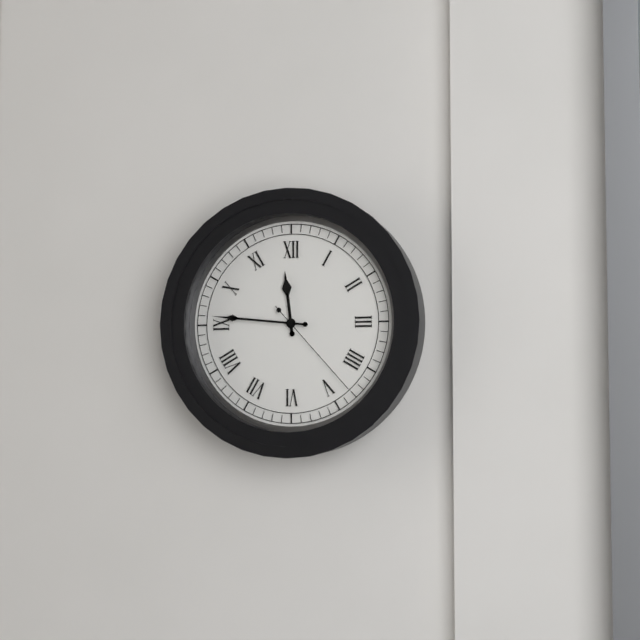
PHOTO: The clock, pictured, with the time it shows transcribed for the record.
11:46:23
